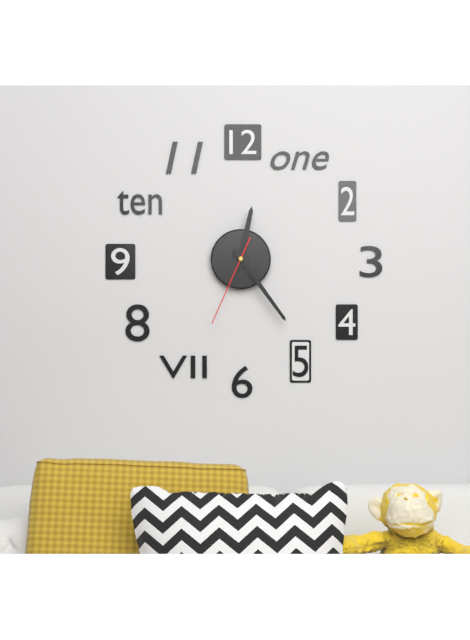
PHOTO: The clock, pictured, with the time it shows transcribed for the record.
12:24:34
